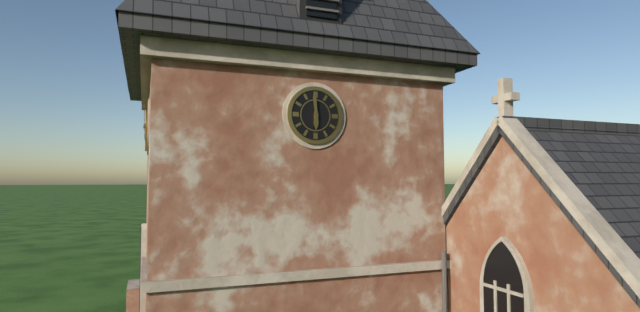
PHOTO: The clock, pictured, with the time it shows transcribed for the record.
5:59
